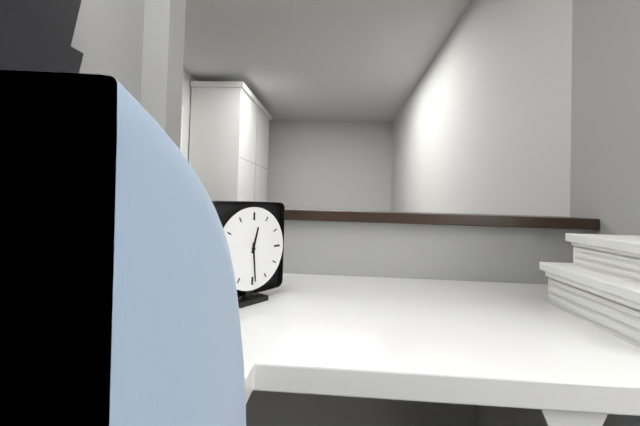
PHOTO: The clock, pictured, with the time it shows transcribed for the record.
12:29
